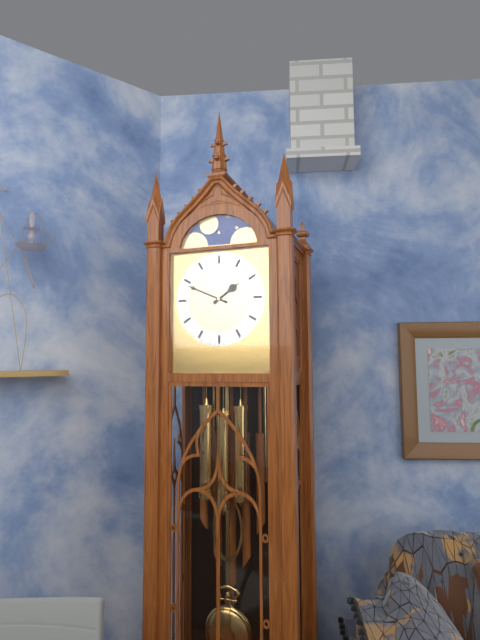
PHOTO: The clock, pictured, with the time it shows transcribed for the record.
1:49
